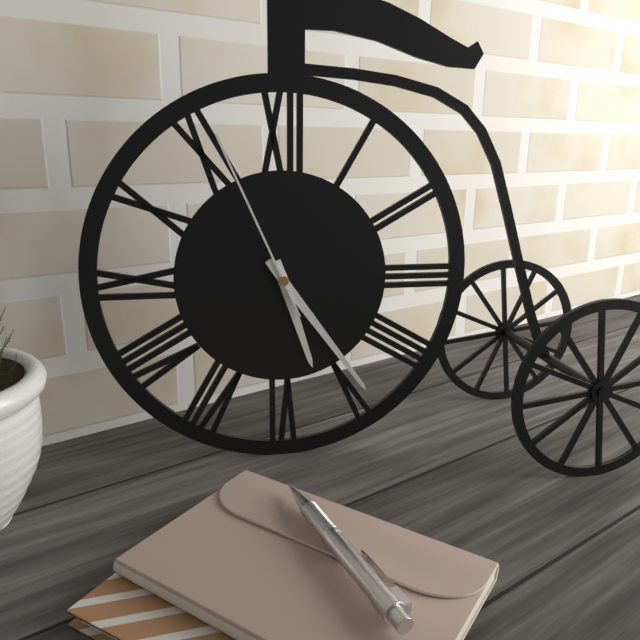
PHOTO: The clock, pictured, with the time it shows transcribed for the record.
5:24:56
